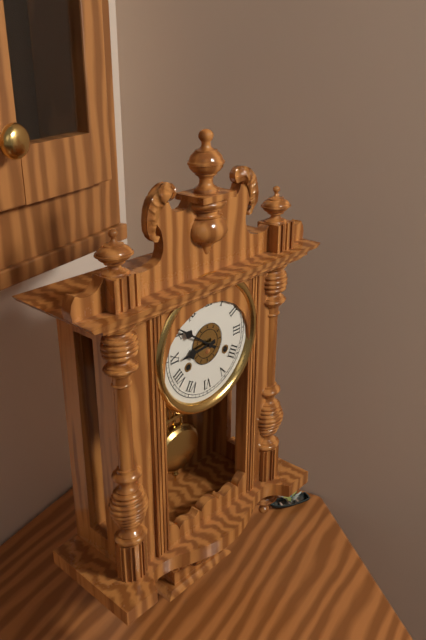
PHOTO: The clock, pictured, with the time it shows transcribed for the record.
8:51
